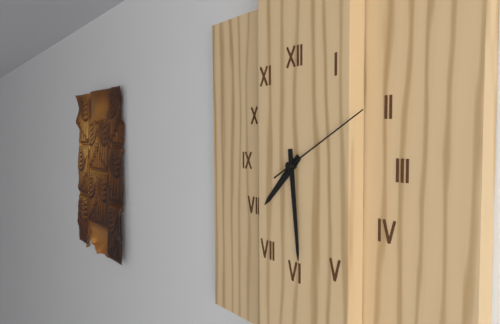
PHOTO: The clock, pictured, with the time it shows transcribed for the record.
7:29:10
